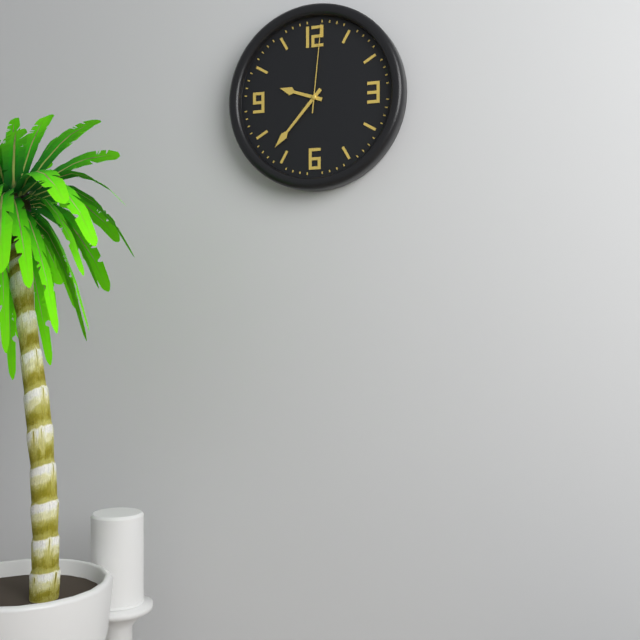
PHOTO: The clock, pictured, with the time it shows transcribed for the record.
9:37:01
